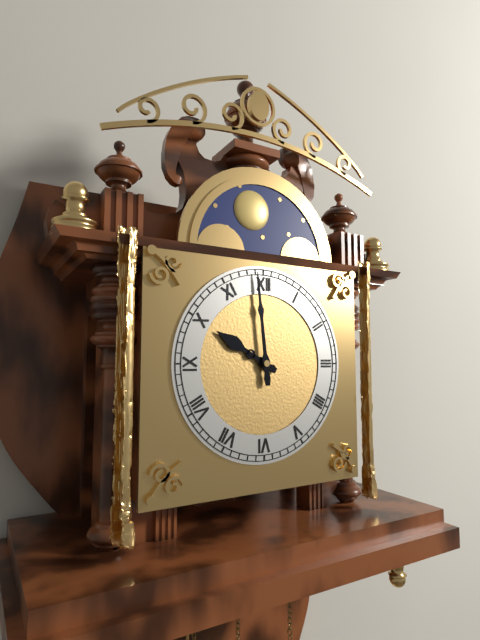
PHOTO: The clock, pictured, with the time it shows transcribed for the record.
9:59
